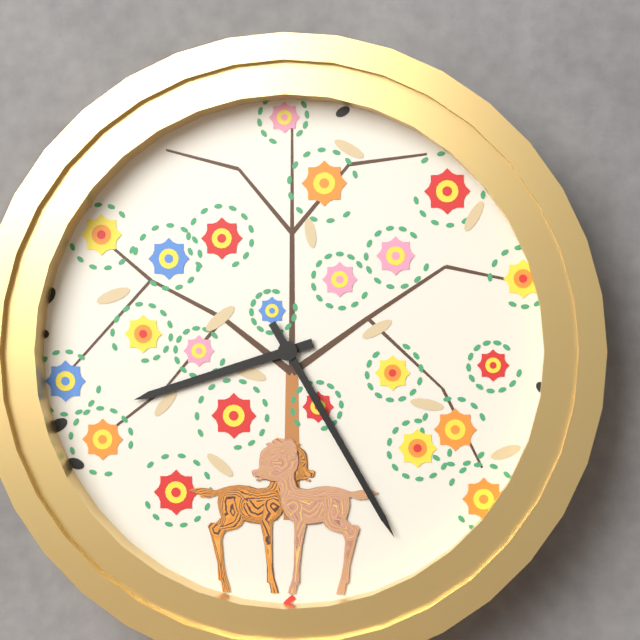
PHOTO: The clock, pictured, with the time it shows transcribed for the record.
8:25
